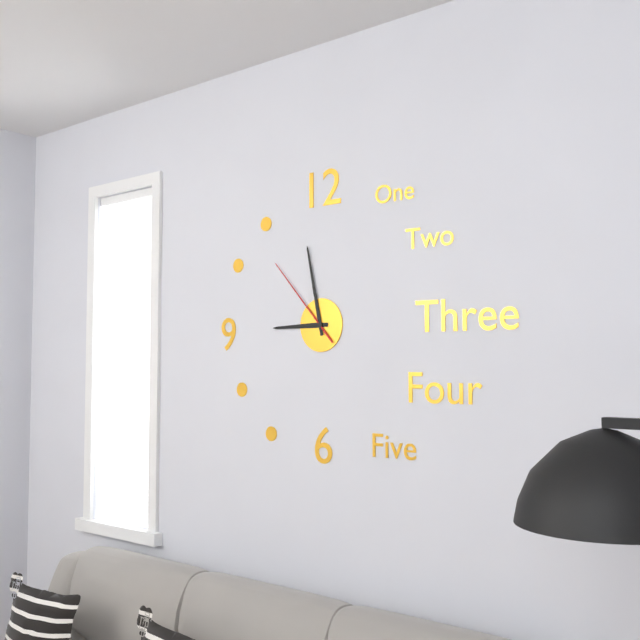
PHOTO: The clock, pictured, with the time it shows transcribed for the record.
8:58:53
